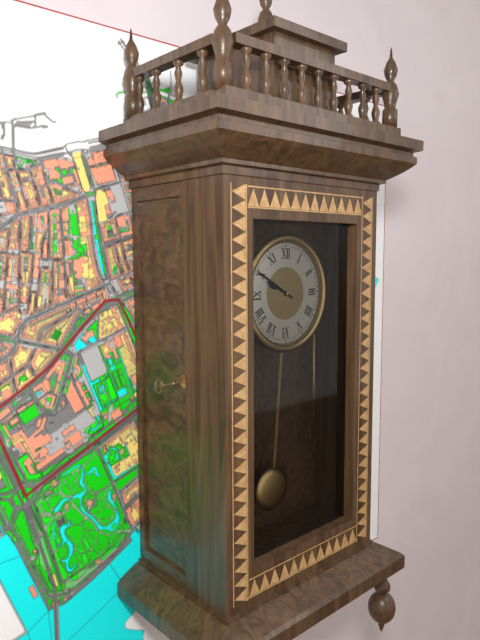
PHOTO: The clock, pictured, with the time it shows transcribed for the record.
9:50
